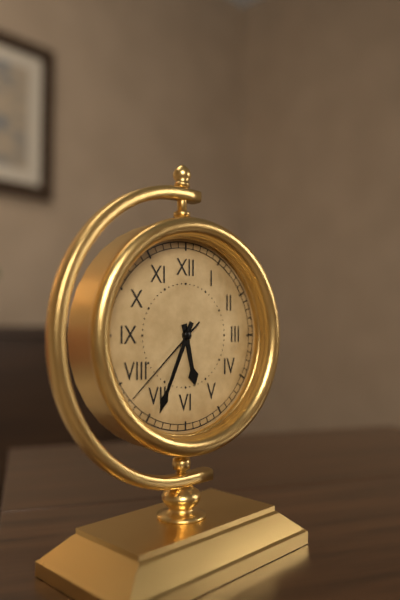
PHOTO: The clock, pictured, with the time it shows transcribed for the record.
5:34:38
